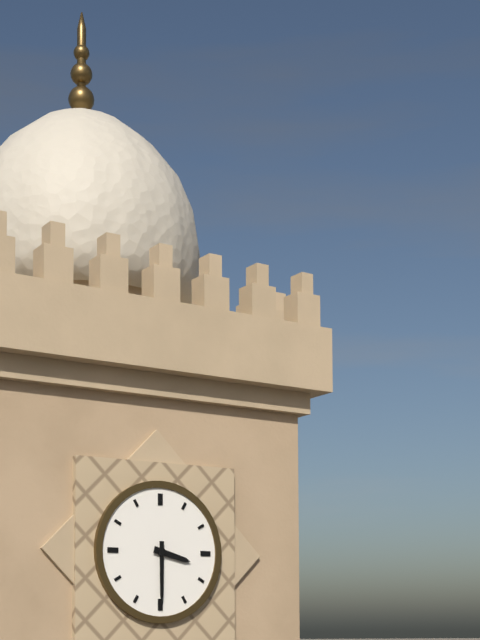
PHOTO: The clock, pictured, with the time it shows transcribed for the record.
3:30
